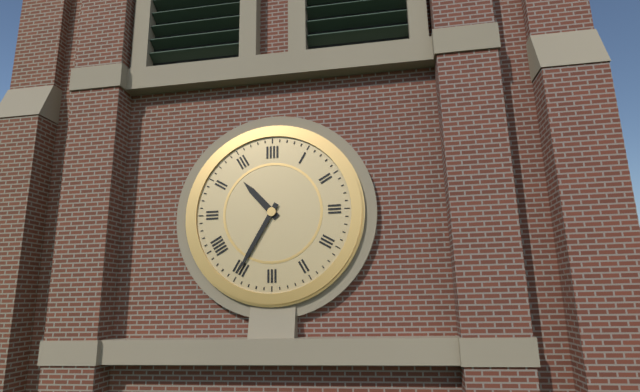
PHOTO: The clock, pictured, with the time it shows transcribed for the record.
10:35
